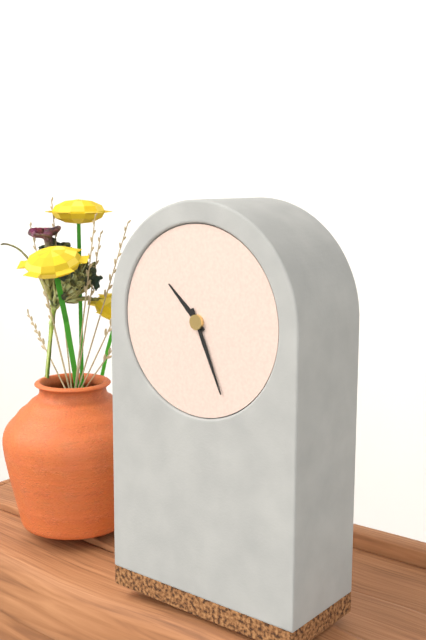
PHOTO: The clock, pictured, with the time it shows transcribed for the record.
10:26
